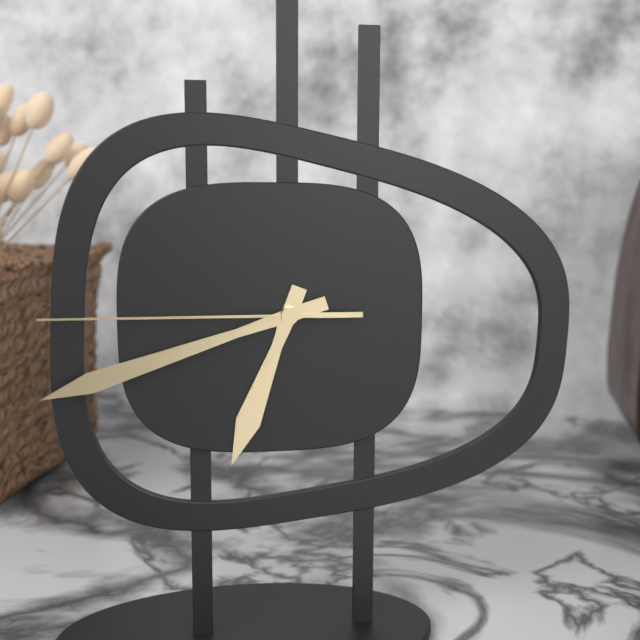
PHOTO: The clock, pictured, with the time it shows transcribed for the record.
6:42:45
